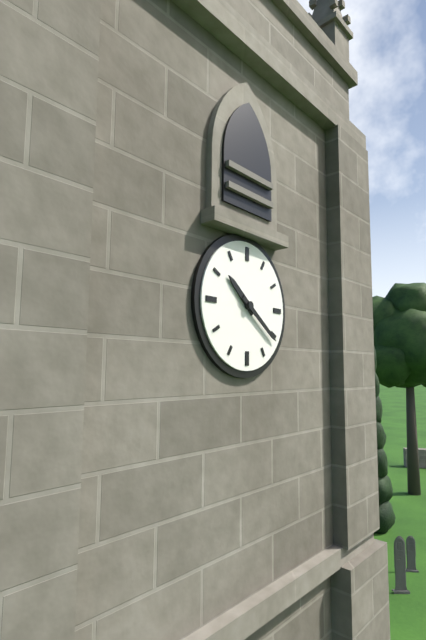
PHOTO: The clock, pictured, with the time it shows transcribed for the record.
10:21
